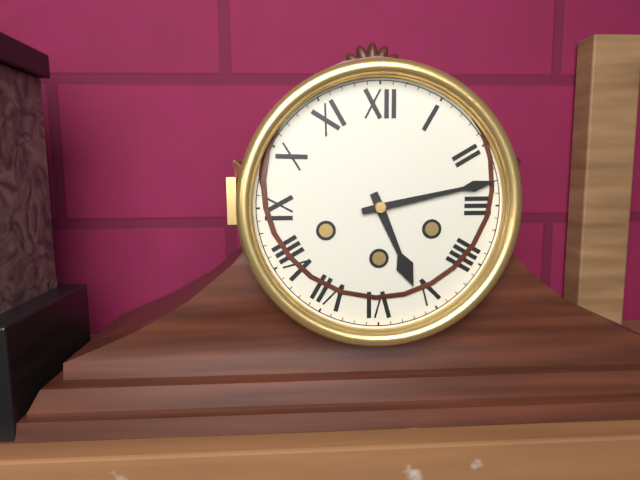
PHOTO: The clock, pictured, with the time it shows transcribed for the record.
5:13
